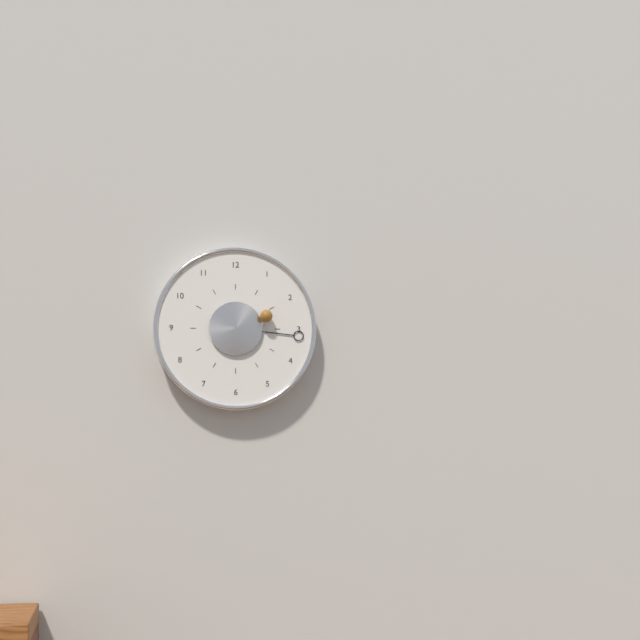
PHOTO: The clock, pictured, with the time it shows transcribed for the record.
2:16
